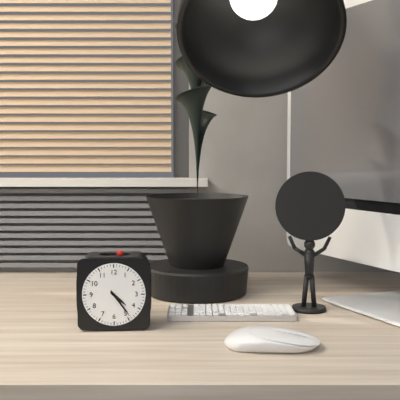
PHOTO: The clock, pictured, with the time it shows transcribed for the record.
4:24
